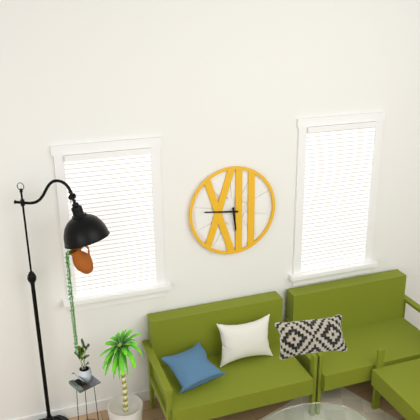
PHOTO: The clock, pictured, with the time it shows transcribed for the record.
5:46
